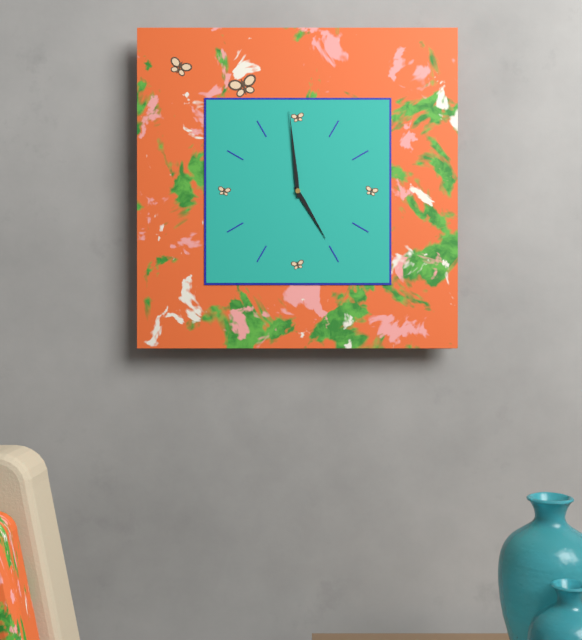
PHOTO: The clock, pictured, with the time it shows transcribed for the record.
4:59
